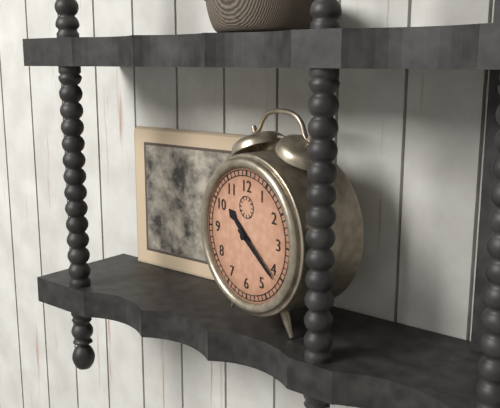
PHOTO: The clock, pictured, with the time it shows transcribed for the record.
10:21
